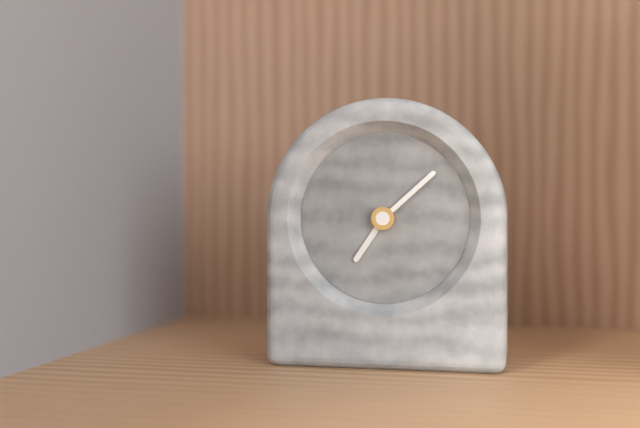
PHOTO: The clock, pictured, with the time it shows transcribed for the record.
7:08
